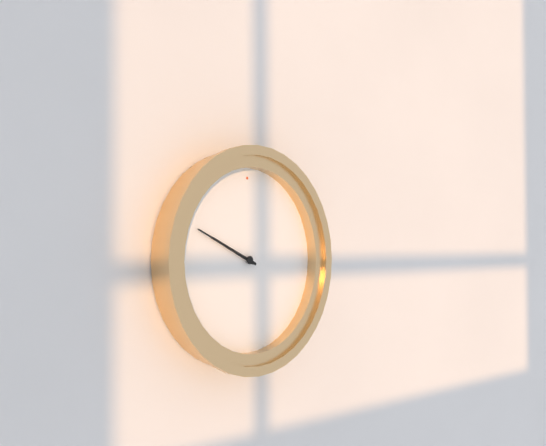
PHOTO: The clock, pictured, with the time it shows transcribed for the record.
9:49
